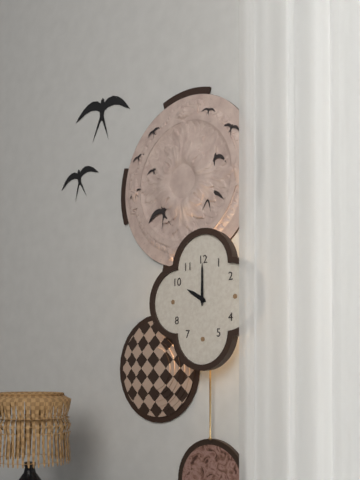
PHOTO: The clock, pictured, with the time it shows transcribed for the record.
10:00
